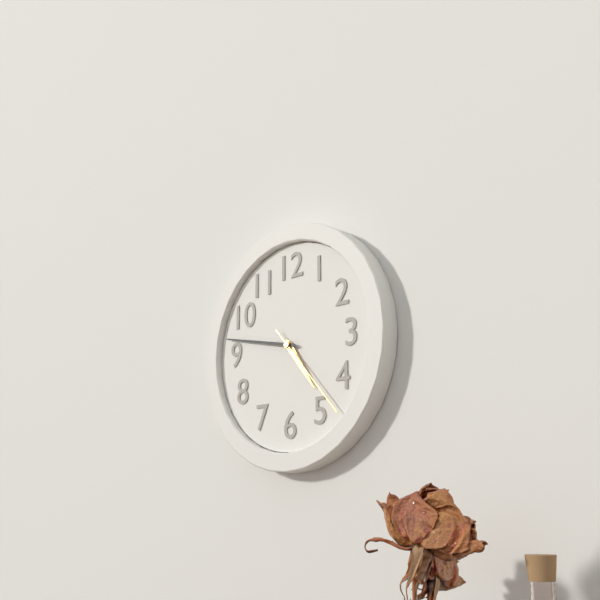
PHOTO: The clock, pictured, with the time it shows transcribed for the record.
4:47:23
